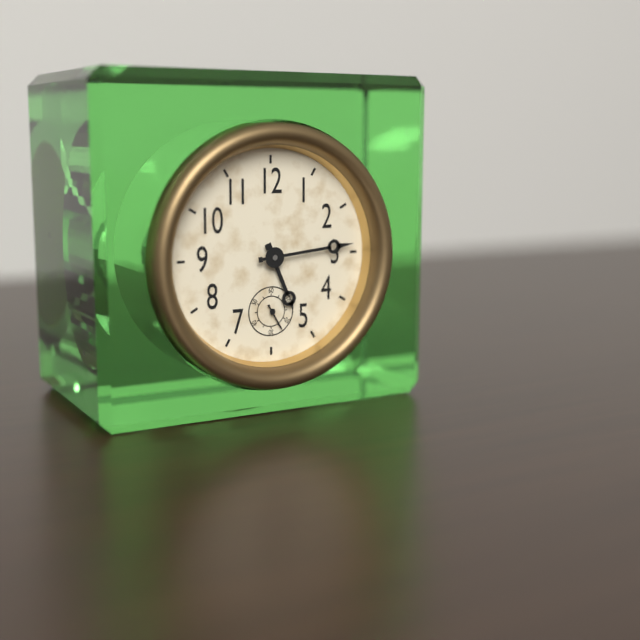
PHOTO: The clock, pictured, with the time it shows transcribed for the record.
5:14
